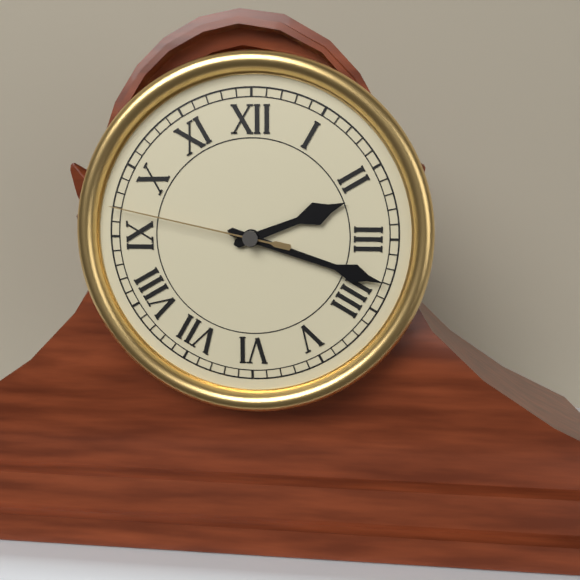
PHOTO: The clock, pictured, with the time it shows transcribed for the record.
2:18:47
